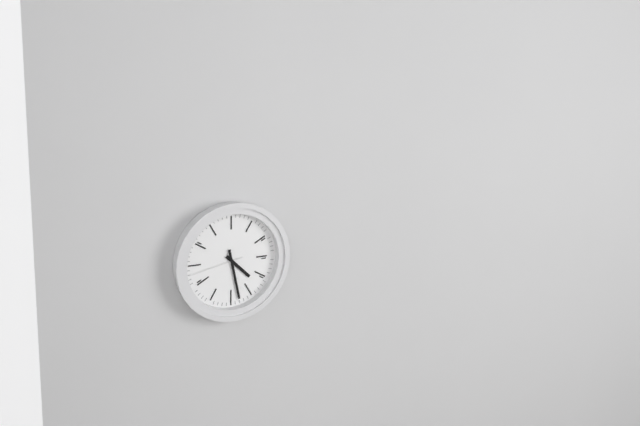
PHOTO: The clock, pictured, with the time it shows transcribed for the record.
4:28:43
